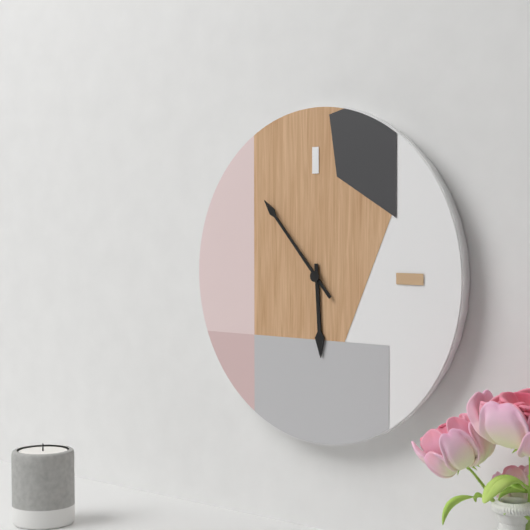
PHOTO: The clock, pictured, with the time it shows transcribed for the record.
5:53
